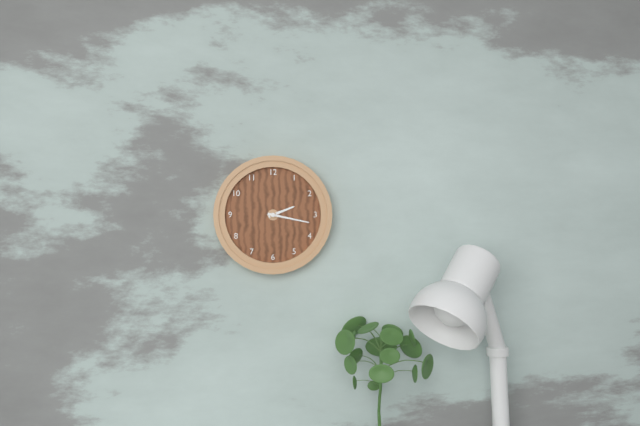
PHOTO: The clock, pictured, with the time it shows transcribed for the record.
2:17
